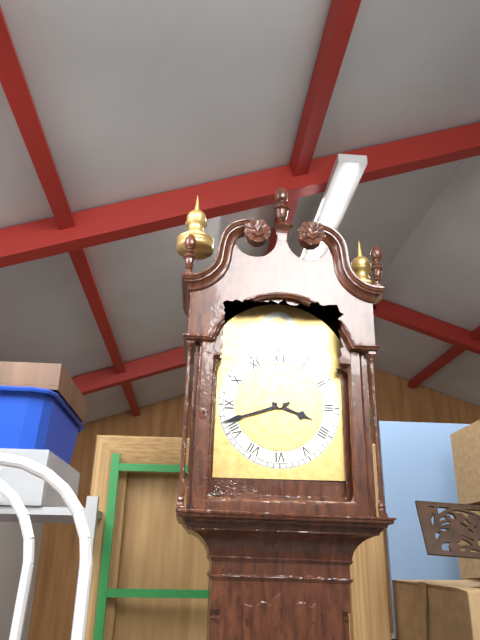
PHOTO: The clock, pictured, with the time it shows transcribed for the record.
3:42
